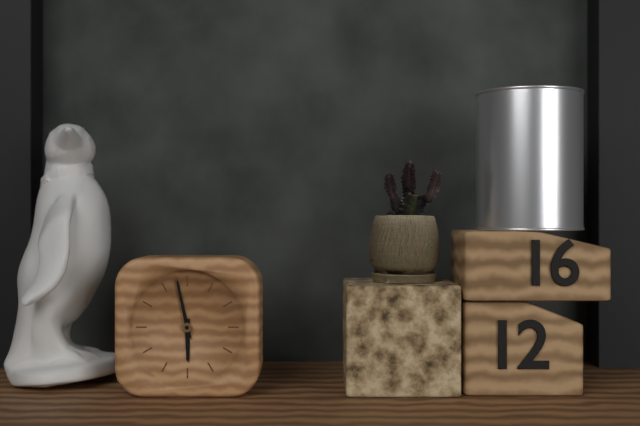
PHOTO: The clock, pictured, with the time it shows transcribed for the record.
5:58
